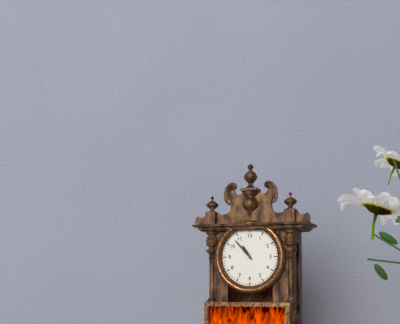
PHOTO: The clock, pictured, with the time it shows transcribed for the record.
10:53
